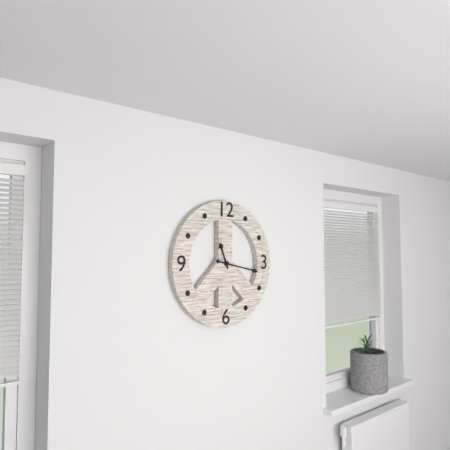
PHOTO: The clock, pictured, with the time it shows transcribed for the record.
11:17
